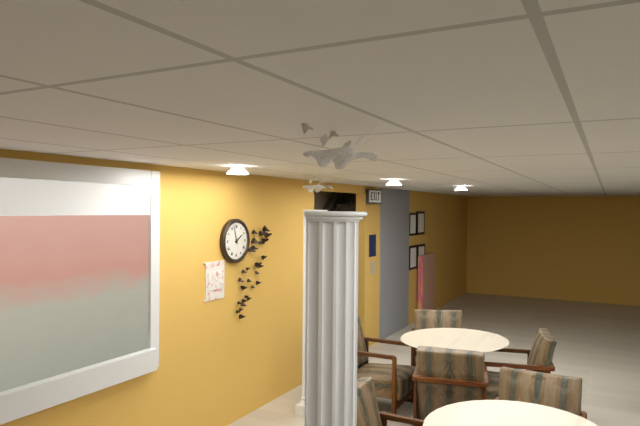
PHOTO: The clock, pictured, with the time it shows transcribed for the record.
1:57
